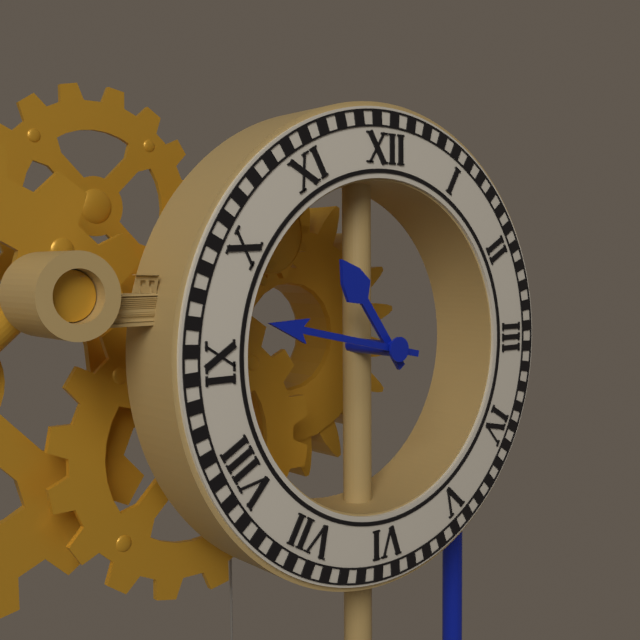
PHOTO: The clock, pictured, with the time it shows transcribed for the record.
10:47
